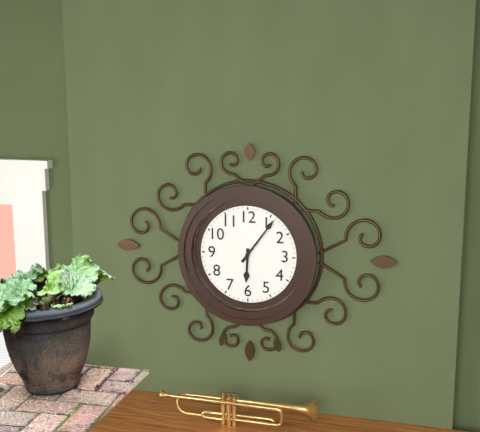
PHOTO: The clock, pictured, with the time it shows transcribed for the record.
6:06
